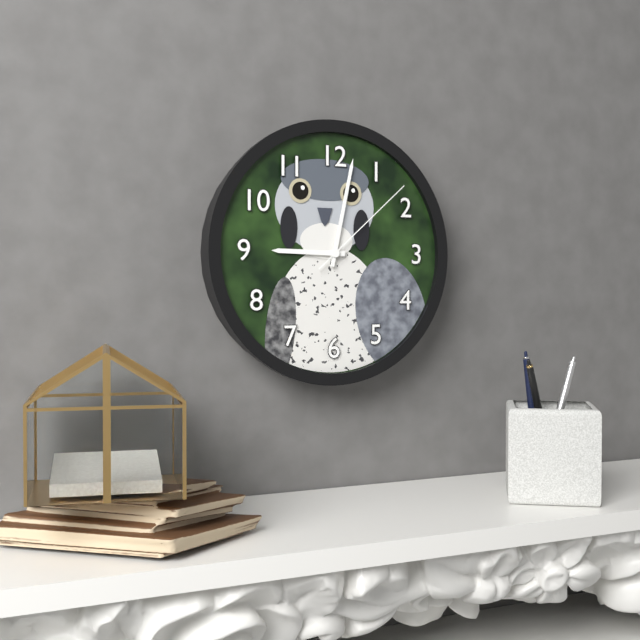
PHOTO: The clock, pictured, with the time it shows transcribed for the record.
9:02:08
